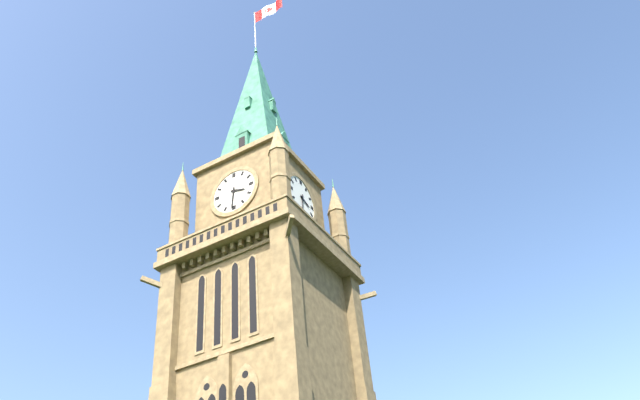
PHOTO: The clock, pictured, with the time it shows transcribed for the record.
3:31
